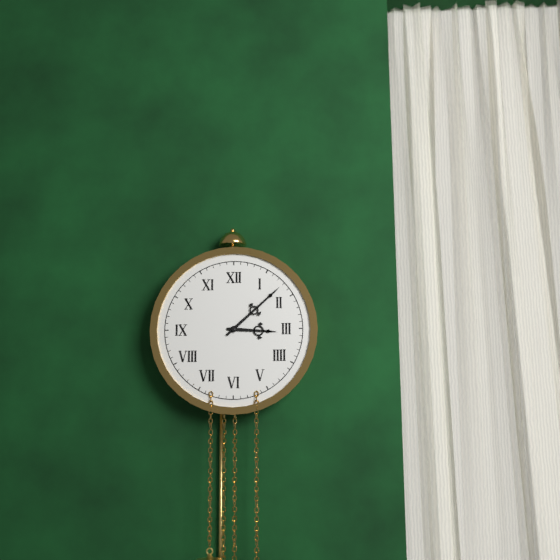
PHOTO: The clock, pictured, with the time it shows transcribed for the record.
3:08
